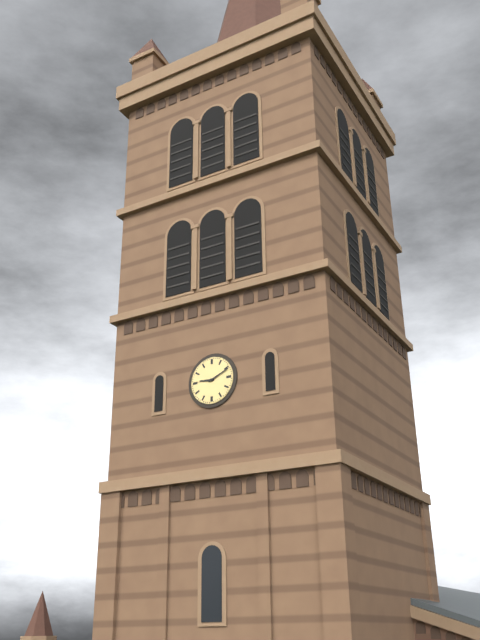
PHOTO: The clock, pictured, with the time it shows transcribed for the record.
9:11
